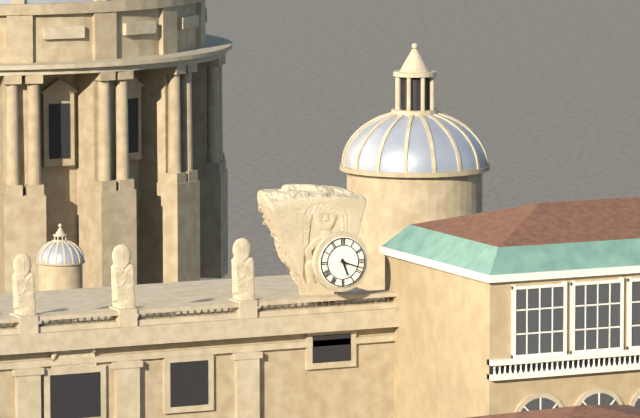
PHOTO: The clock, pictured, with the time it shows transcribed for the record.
5:18
